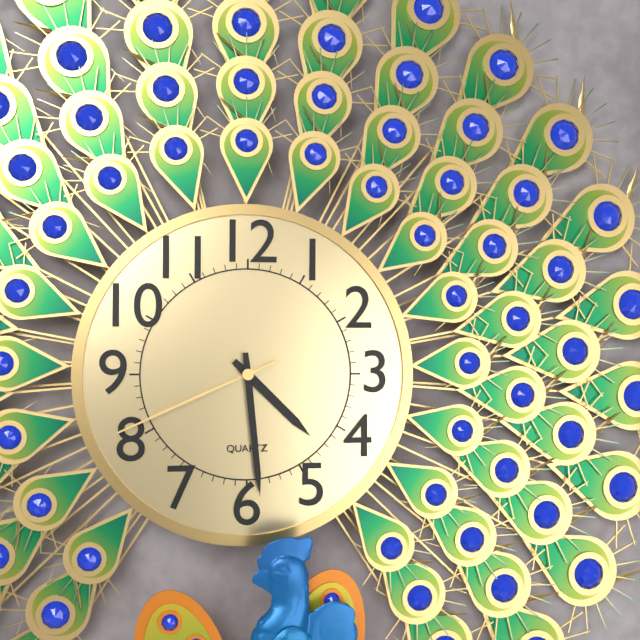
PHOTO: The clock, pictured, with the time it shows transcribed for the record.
4:29:41
